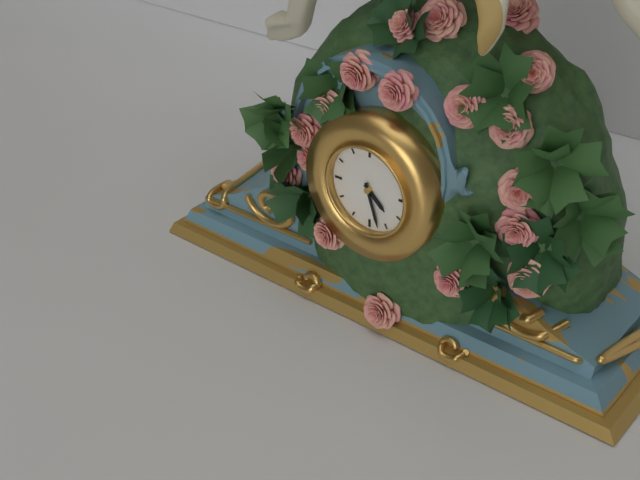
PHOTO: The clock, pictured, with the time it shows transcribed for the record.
4:27
